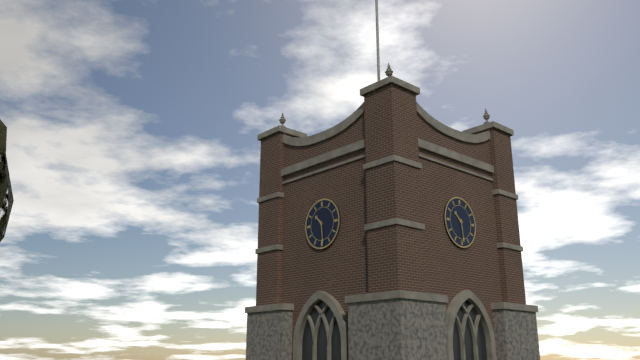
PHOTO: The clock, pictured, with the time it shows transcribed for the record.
10:29
